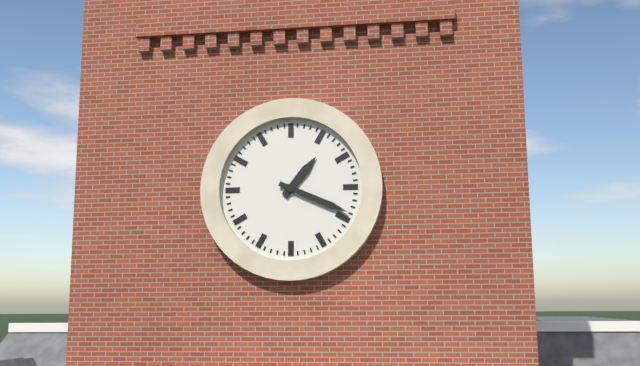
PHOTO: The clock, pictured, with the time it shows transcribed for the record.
1:19
